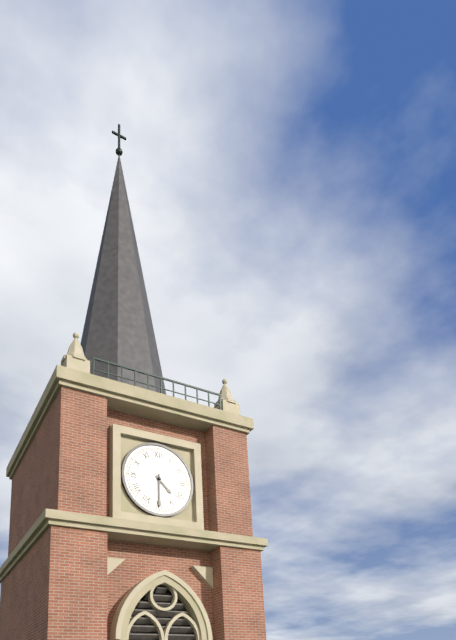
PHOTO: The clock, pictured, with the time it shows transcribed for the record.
4:30
